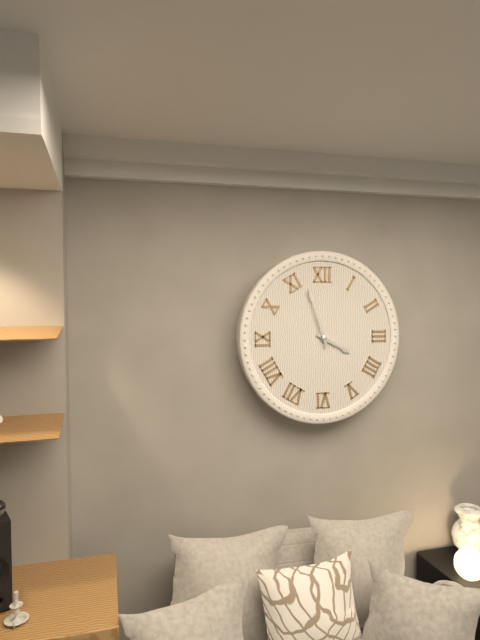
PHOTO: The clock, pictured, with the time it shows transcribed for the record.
3:57
